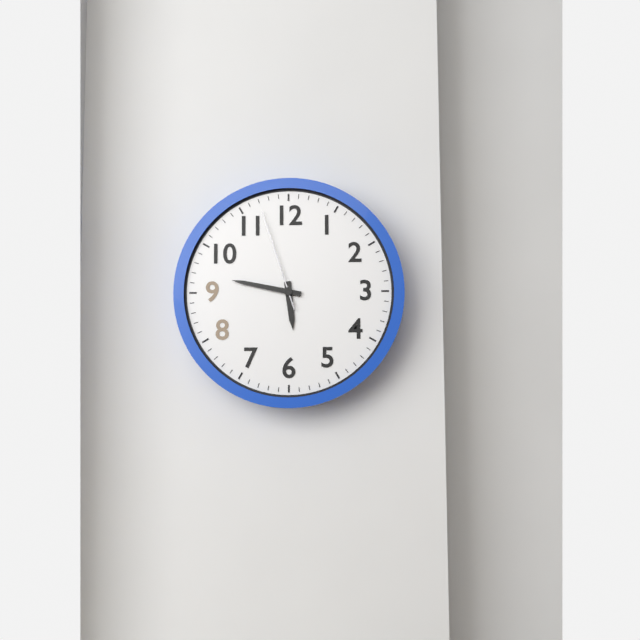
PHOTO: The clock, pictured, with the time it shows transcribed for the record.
5:47:57
